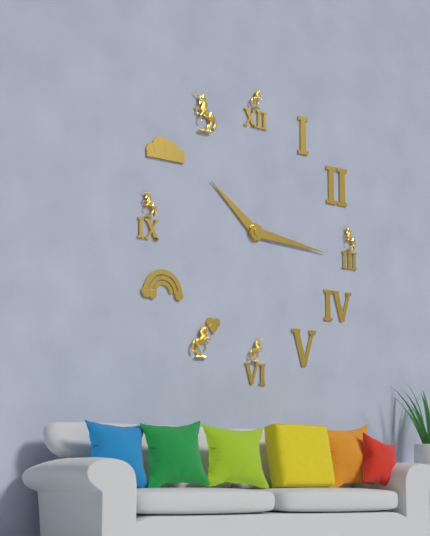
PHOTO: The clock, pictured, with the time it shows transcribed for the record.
10:16
